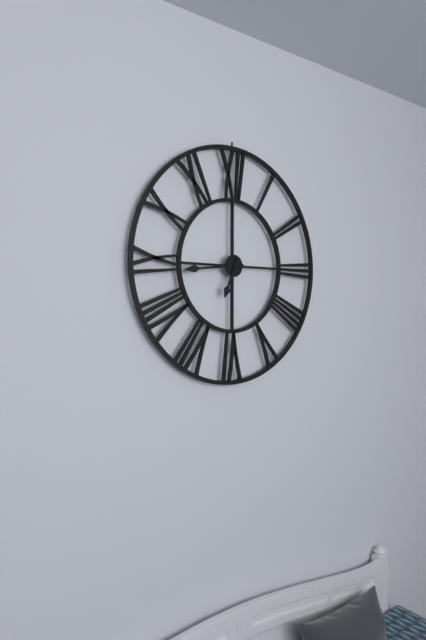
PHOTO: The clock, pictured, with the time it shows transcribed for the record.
6:44
